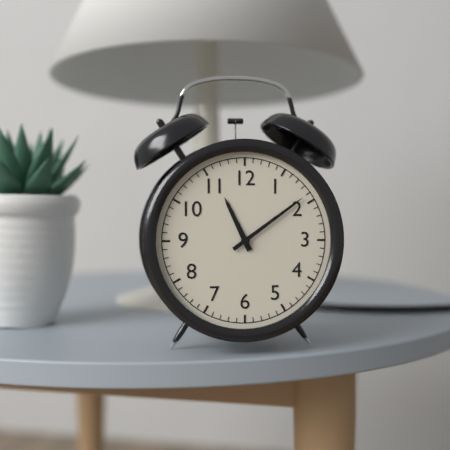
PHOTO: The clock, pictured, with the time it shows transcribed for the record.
11:09
